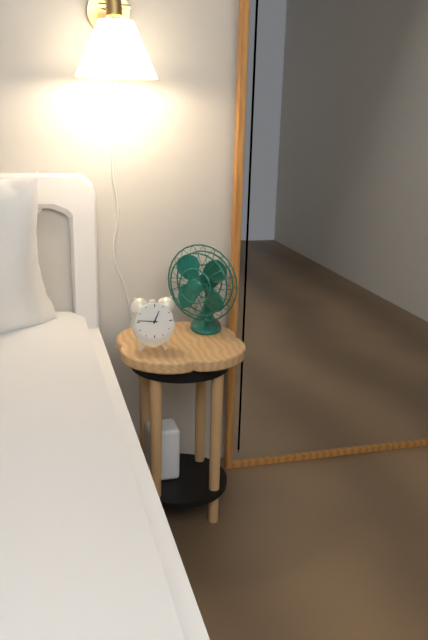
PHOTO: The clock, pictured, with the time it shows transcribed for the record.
12:46
